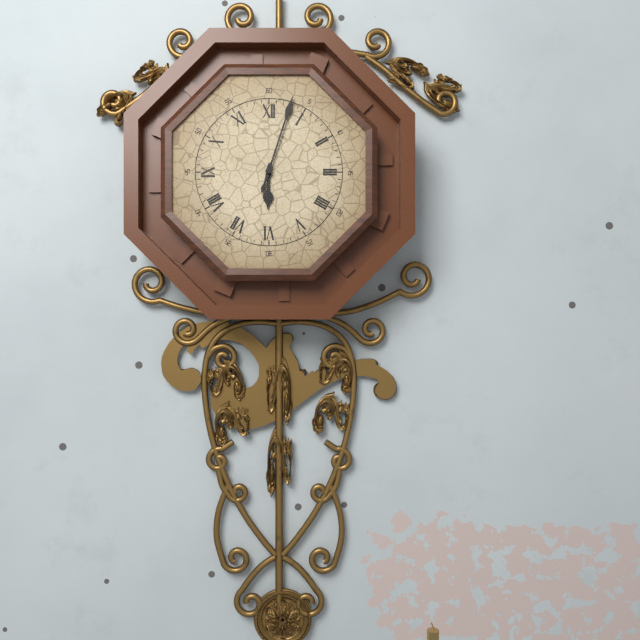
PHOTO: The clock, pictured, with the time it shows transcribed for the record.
6:03
